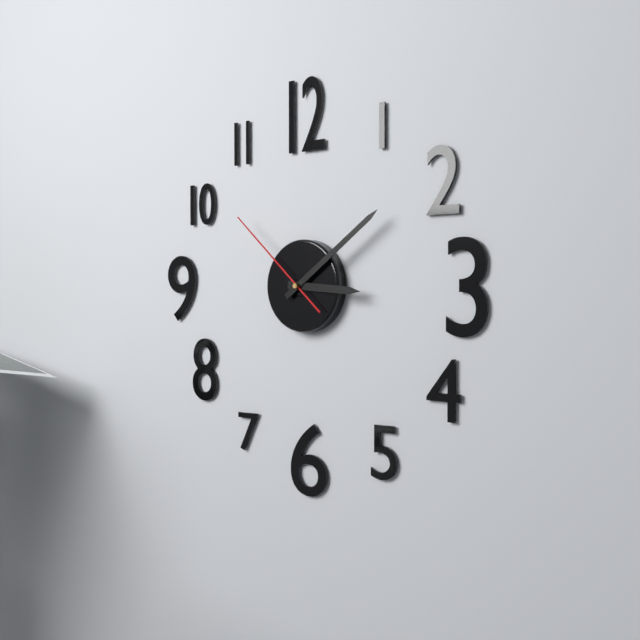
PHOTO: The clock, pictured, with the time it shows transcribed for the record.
3:09:52
